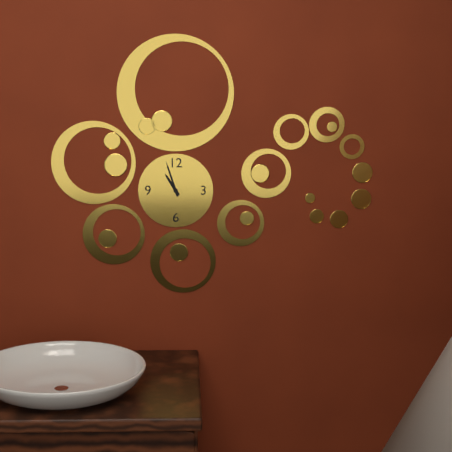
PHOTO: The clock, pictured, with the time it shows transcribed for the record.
10:57
